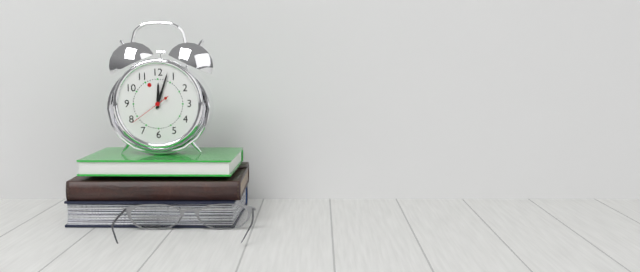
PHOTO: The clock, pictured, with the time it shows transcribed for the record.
12:03
